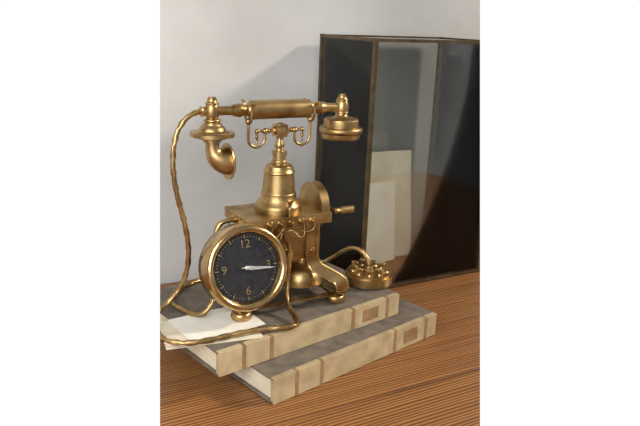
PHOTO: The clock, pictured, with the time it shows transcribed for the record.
3:16
